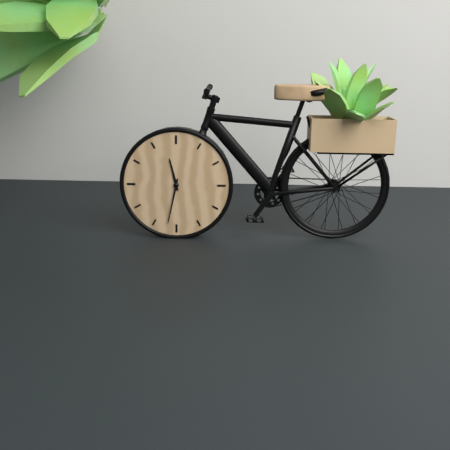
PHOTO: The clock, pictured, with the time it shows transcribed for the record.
11:32
